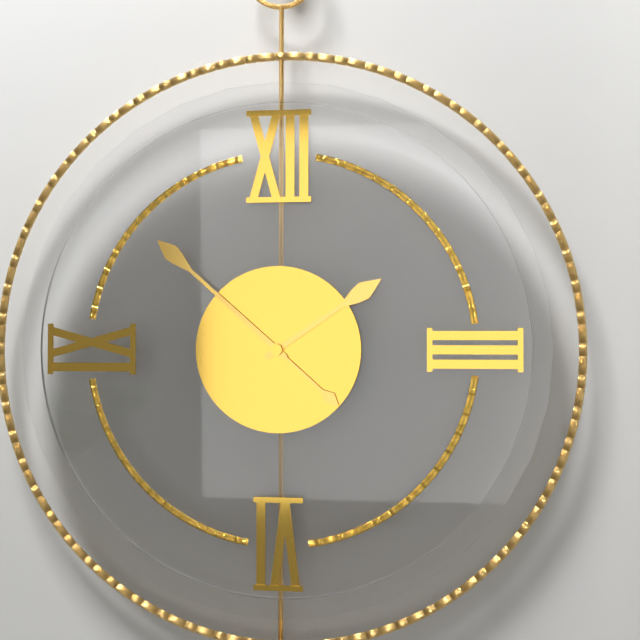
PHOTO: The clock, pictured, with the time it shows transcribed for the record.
1:52
